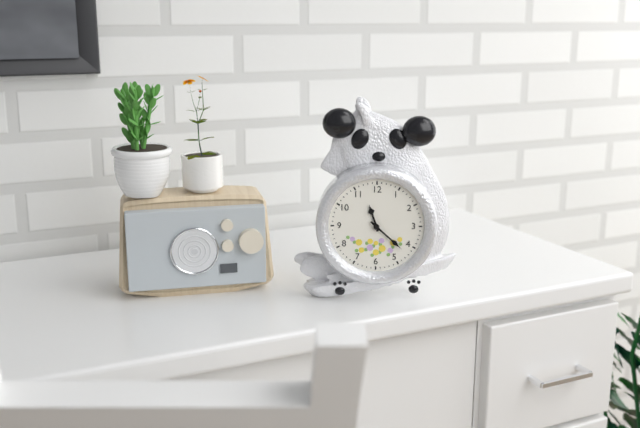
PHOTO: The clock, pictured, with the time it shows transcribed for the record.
11:22
